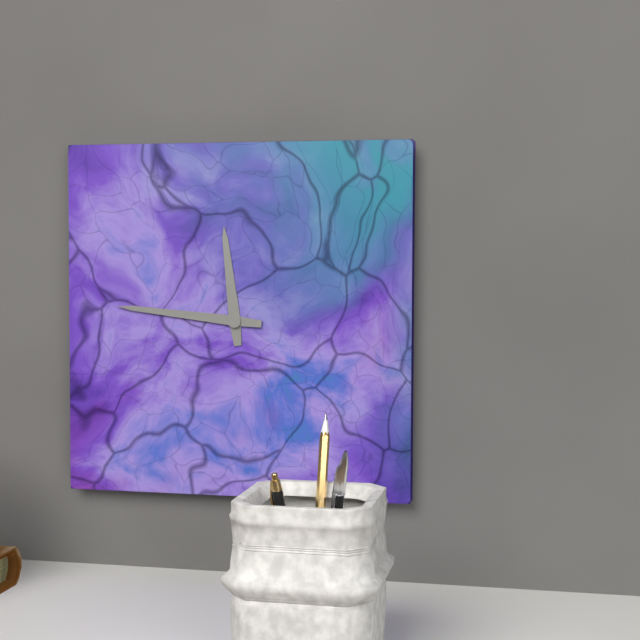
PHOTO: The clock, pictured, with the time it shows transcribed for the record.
11:46
